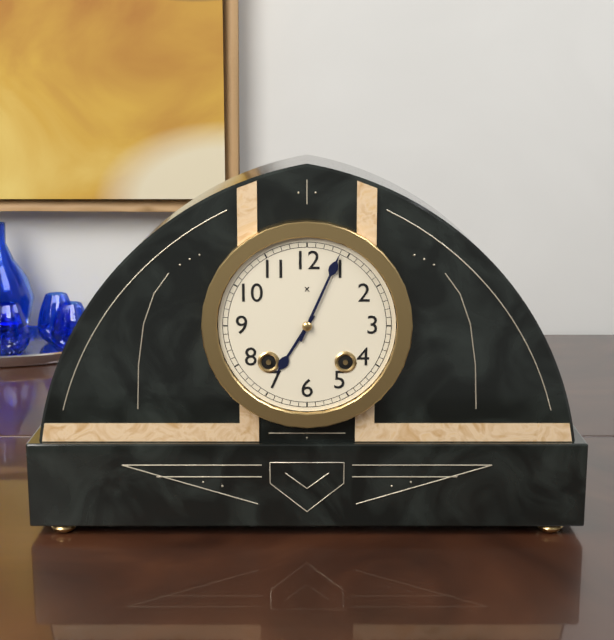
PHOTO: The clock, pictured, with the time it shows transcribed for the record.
7:04
